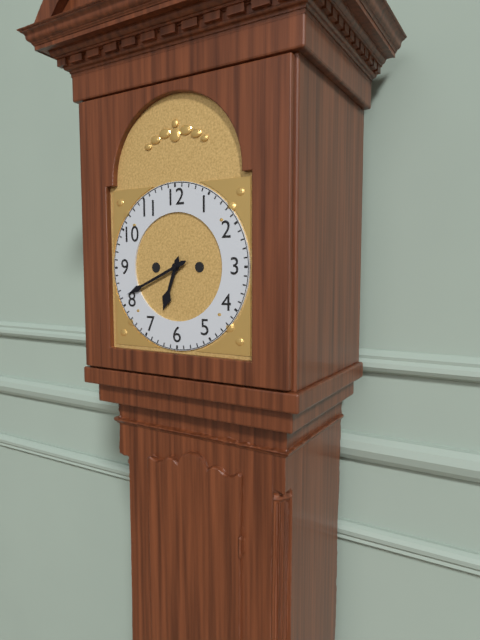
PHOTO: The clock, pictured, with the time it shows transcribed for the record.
6:41
